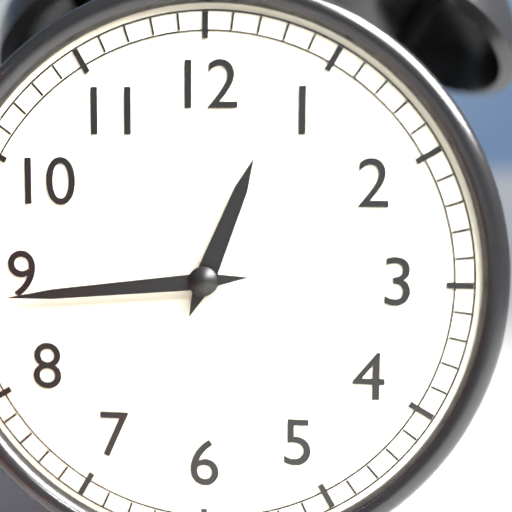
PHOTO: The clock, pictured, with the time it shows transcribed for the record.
12:44
